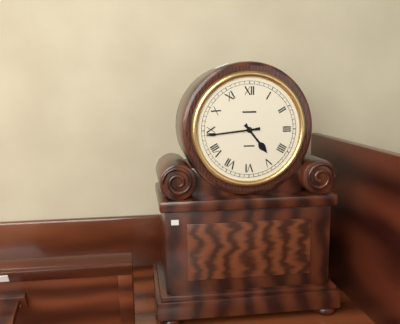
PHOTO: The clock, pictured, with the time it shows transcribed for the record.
4:44
